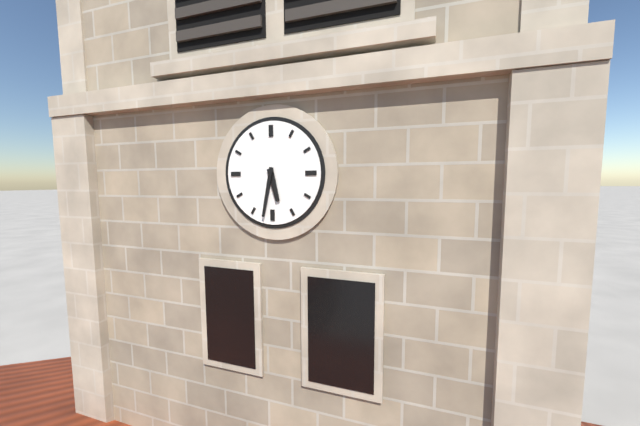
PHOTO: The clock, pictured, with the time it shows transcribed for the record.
5:32
